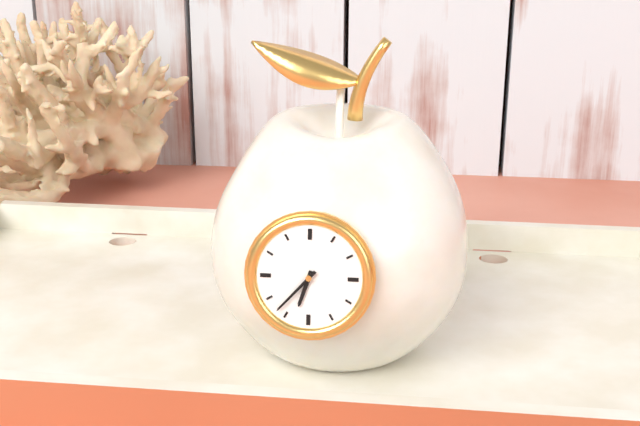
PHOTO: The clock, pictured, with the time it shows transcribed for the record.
6:37
